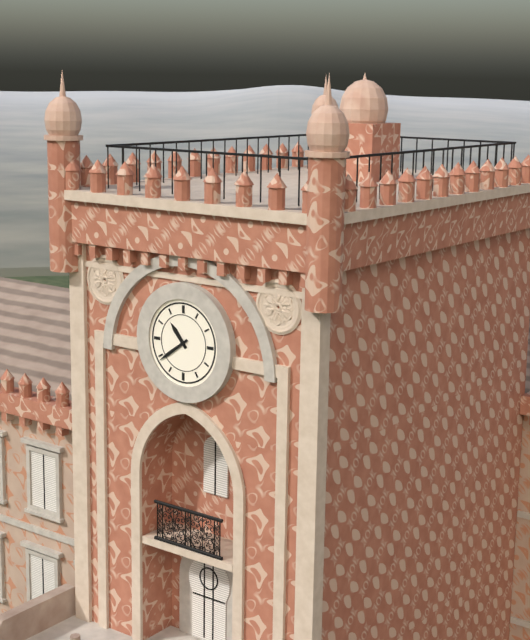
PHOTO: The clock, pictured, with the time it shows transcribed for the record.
10:39
